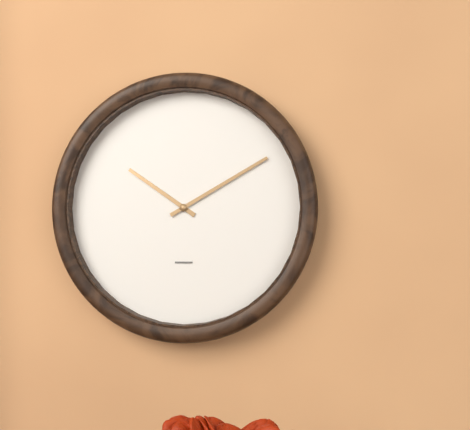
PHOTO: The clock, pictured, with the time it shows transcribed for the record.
10:10
